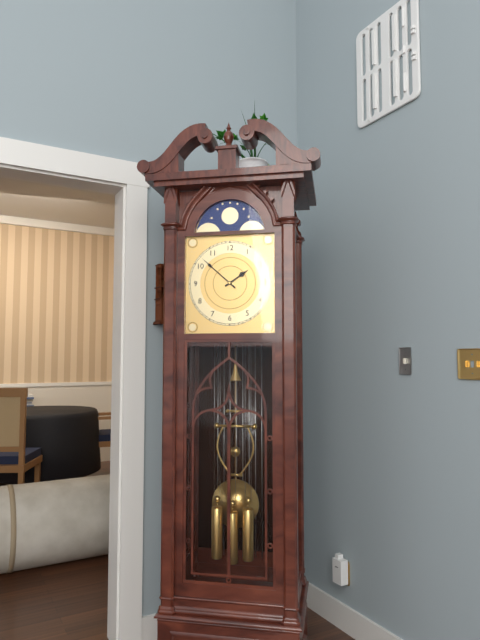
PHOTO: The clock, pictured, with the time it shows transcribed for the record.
1:52
